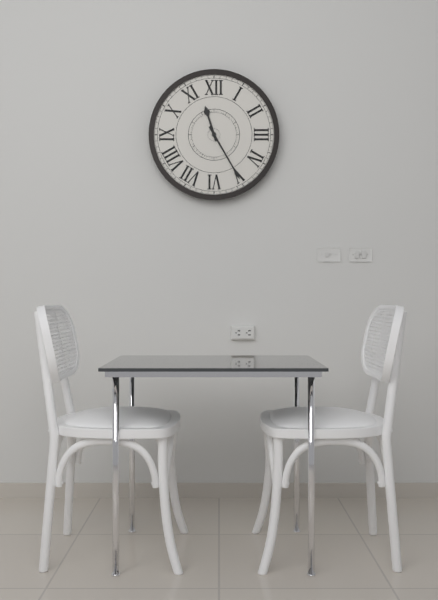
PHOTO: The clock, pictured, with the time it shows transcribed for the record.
11:25
